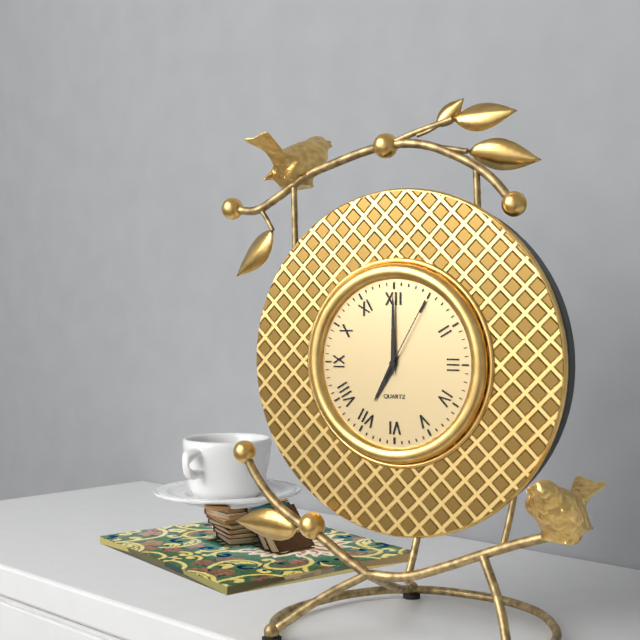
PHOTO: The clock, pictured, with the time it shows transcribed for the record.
7:00:05
